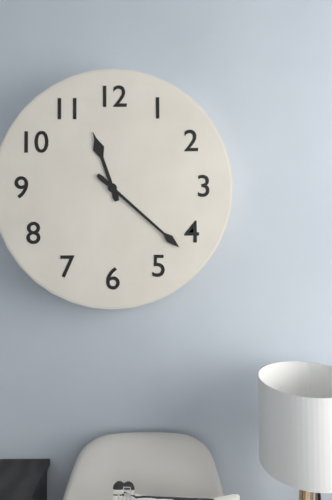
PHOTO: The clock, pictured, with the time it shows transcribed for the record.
11:22
